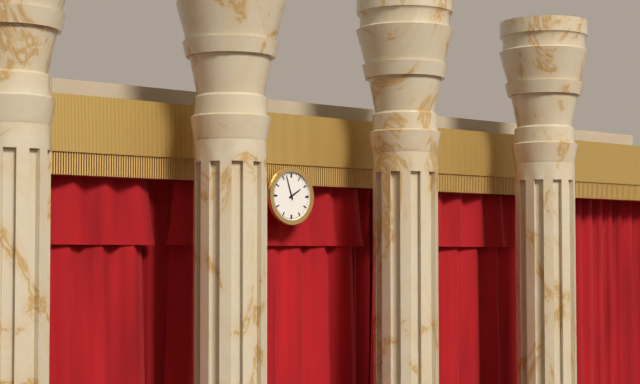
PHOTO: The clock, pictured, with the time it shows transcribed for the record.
1:57
